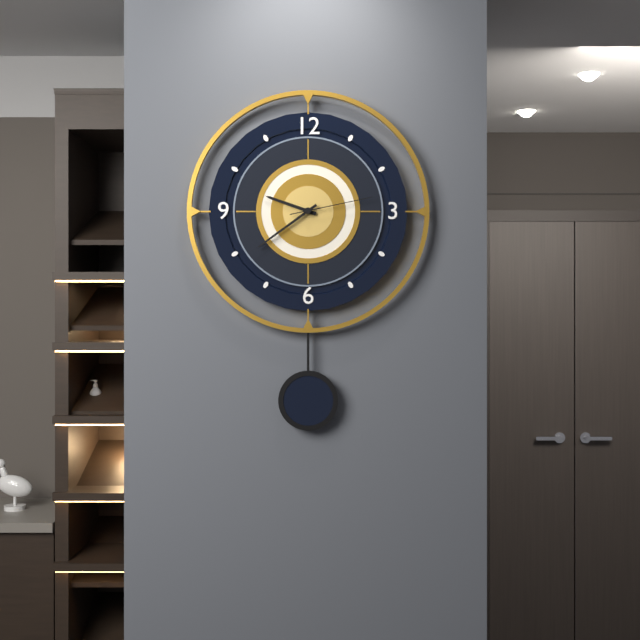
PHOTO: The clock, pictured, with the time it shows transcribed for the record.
9:39:13
